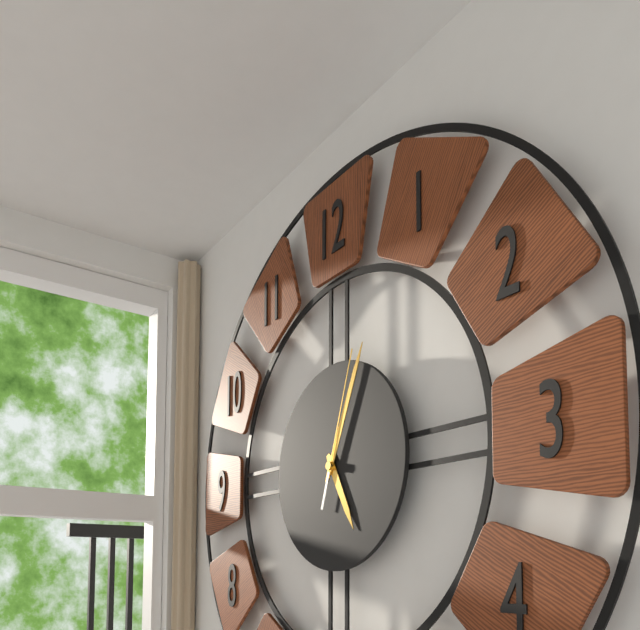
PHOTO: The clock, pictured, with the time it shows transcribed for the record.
5:04:03
